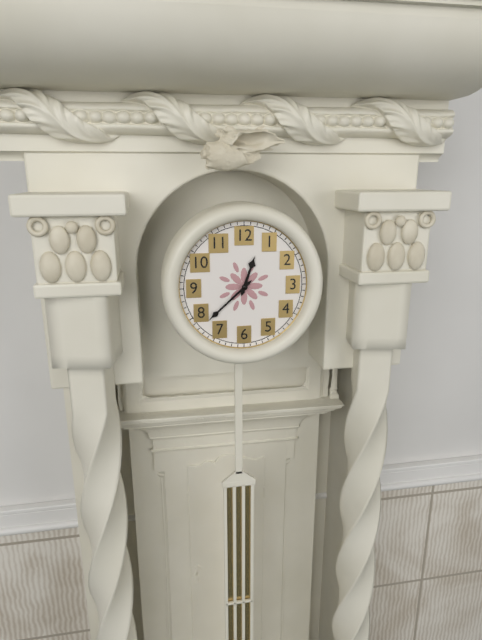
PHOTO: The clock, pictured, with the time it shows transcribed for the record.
12:38
